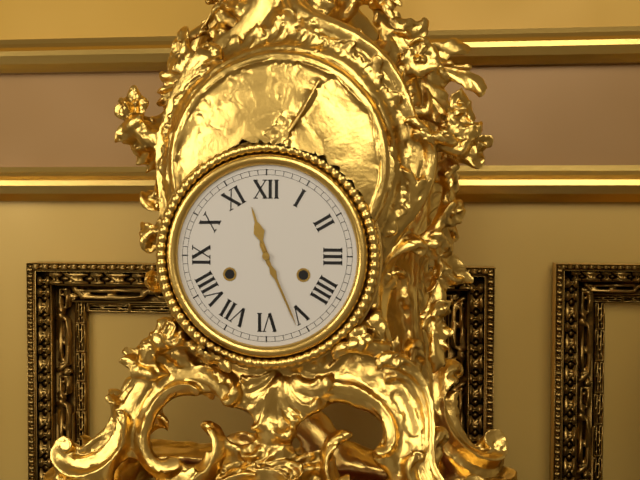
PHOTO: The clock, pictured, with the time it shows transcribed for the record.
11:26
